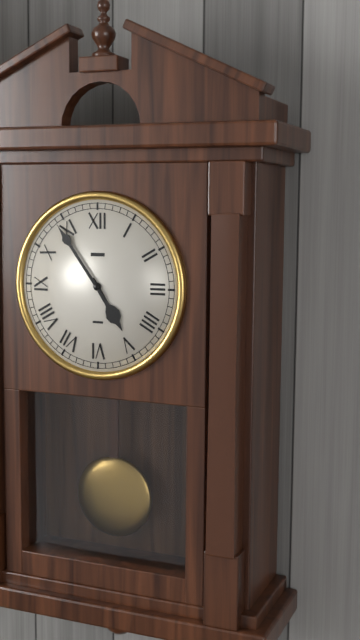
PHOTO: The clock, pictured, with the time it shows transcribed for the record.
4:54
